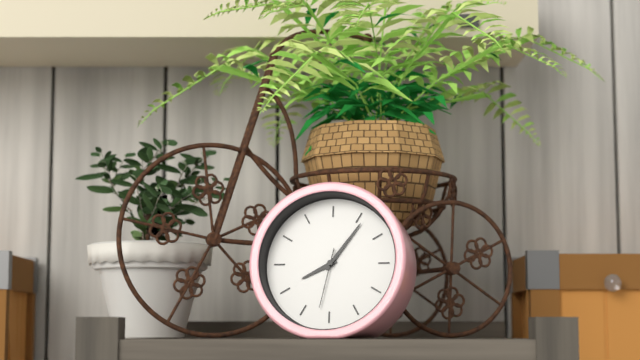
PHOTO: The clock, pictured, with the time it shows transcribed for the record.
8:06:32
